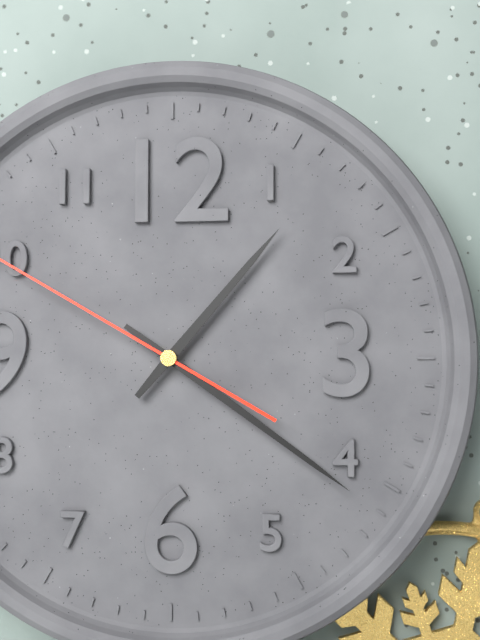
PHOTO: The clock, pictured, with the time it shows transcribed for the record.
1:21
